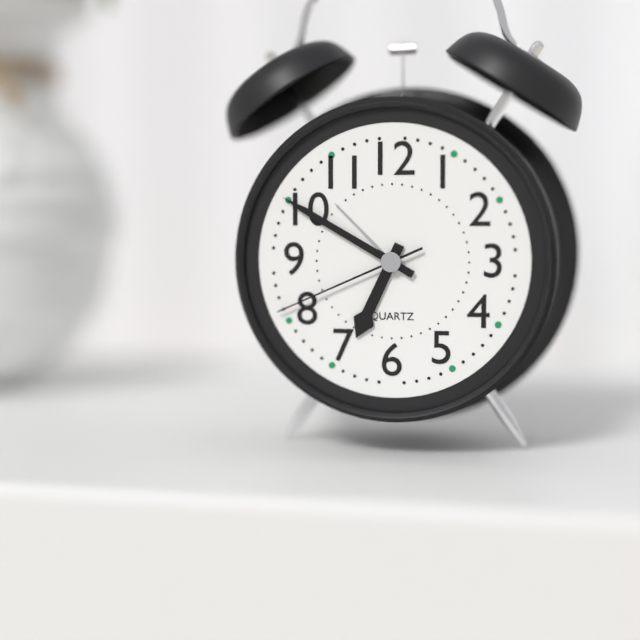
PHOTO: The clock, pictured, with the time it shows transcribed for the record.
6:50:41
